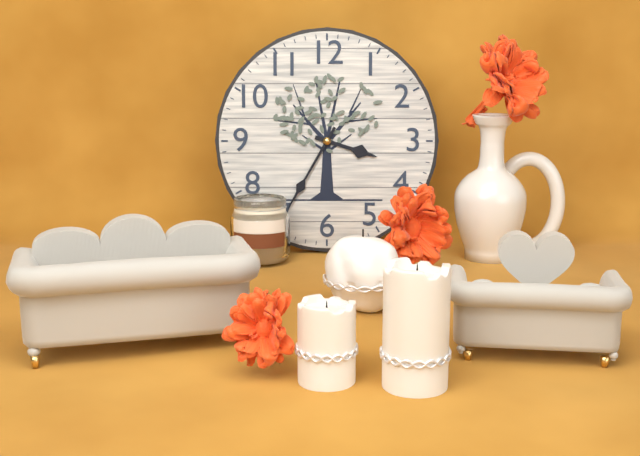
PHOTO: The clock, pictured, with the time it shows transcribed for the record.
3:35
